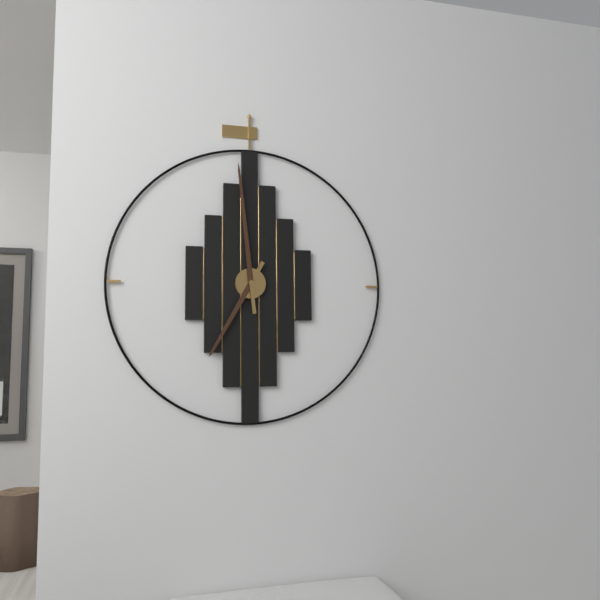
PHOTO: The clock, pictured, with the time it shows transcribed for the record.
6:59
